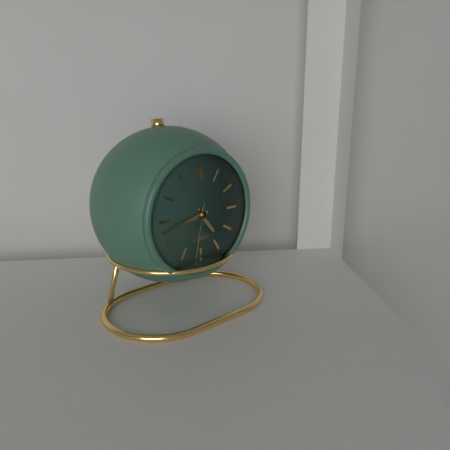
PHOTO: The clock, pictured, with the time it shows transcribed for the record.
4:43:32
